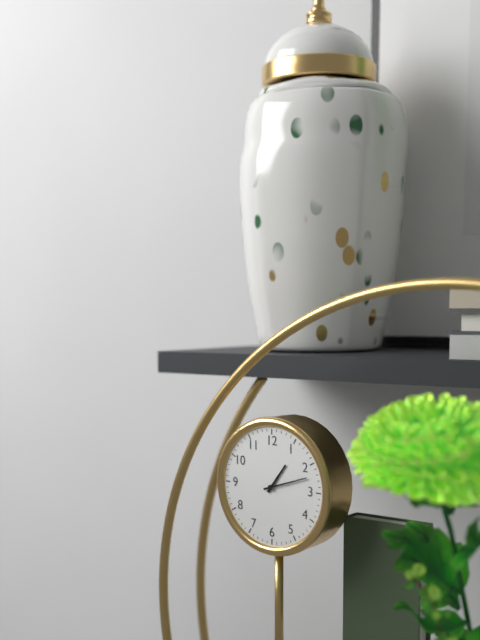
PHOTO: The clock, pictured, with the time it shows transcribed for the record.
1:12
